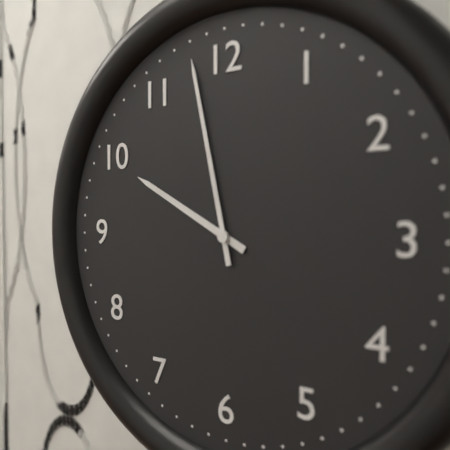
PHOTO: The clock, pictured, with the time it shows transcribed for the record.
9:58
